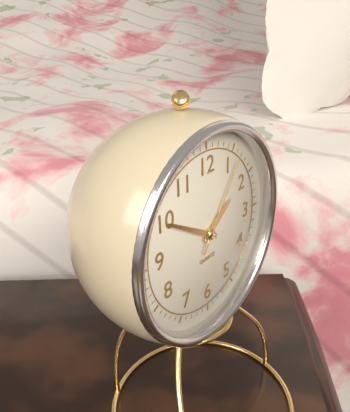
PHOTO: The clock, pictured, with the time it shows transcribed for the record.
1:50:06
